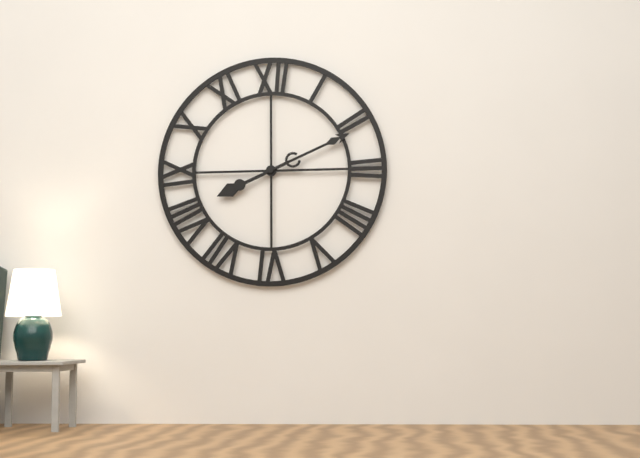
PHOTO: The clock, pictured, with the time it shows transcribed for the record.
8:11
